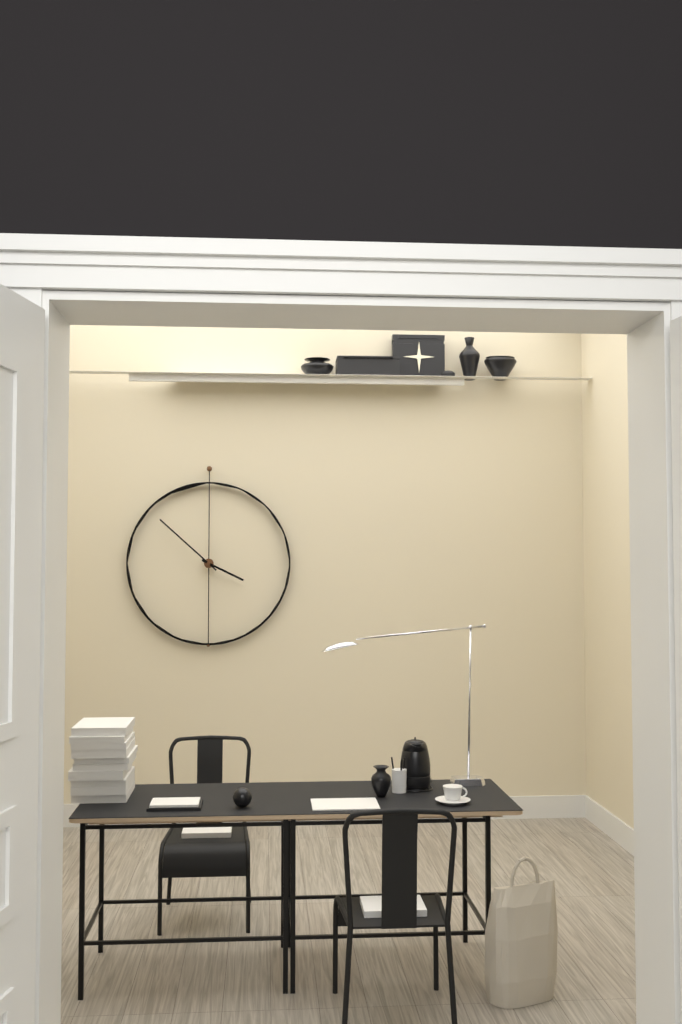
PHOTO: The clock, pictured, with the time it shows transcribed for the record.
3:52
